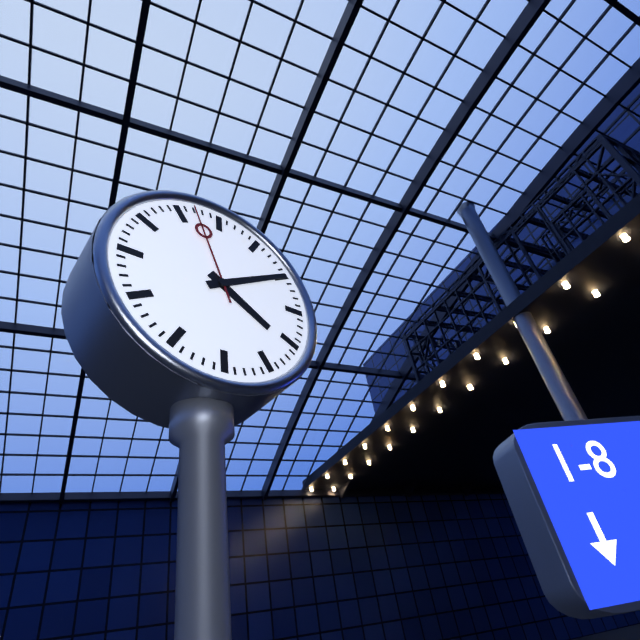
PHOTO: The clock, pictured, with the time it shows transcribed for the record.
4:10:57
